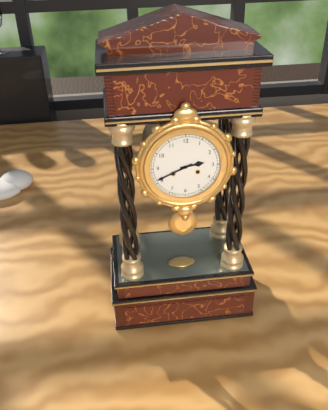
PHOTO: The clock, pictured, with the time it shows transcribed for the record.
2:41
